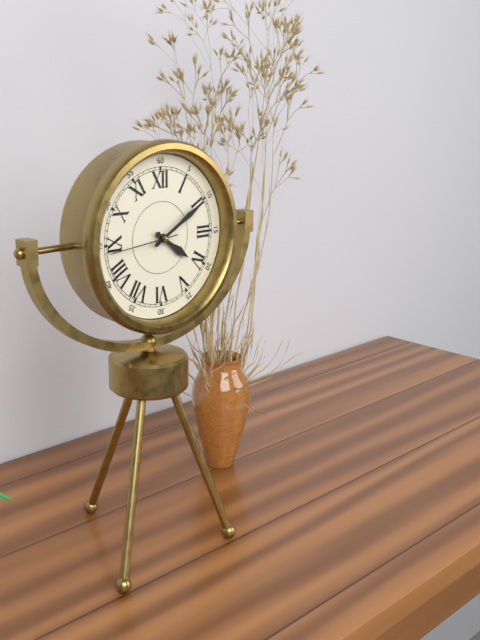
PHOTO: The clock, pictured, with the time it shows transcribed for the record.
4:10:44
